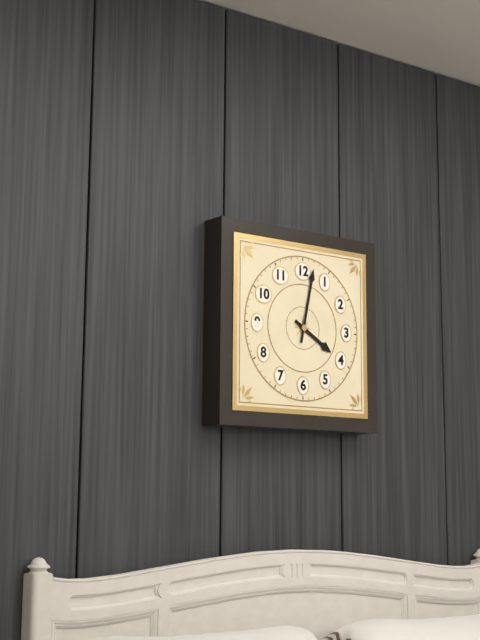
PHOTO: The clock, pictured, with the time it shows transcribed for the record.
4:02
